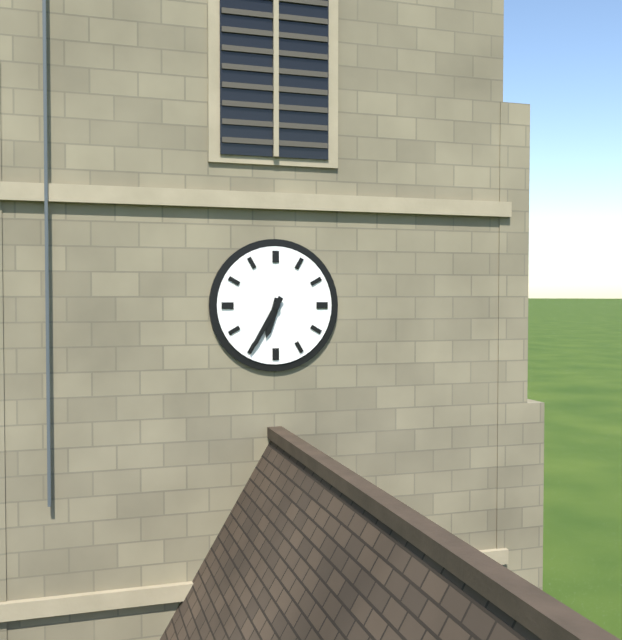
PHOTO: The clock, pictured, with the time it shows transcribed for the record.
6:35
